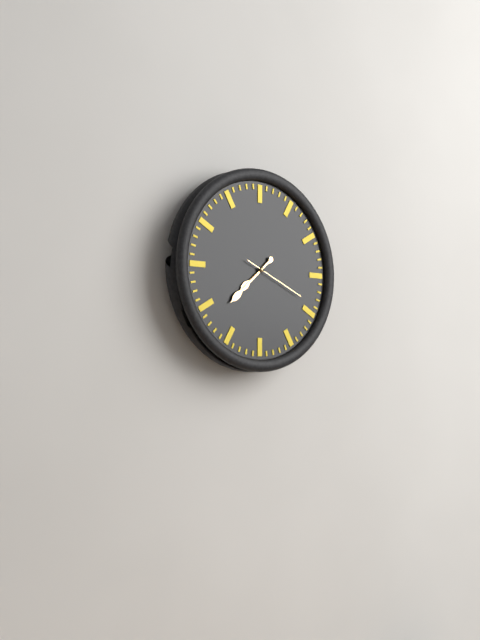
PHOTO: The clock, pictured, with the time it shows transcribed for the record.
7:38:19
